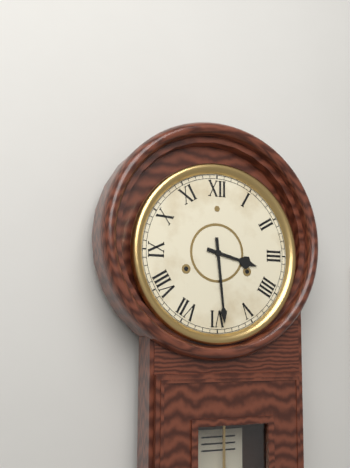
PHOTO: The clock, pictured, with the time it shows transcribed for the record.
3:29
